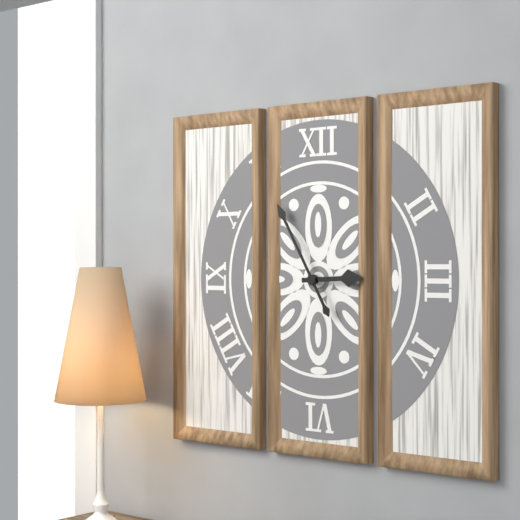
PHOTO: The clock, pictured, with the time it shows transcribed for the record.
2:55
